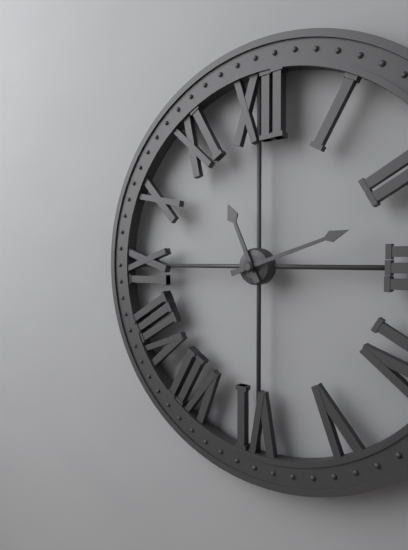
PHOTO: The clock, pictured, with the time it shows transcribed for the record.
11:12
